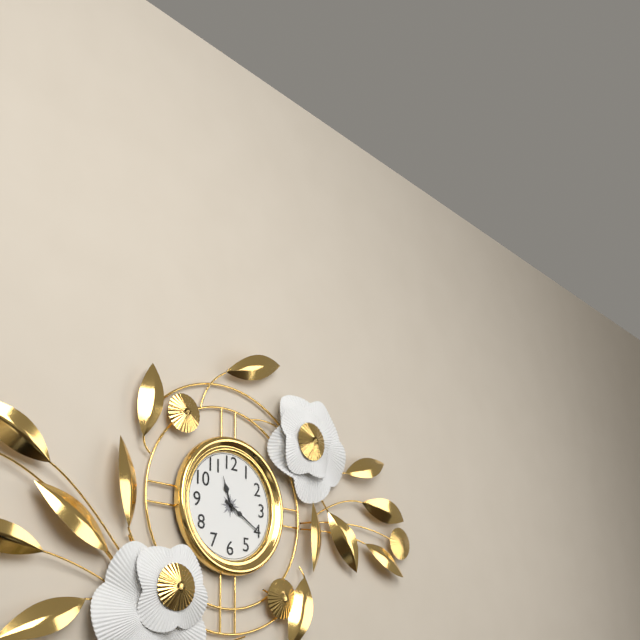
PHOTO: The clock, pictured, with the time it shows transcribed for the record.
11:20
